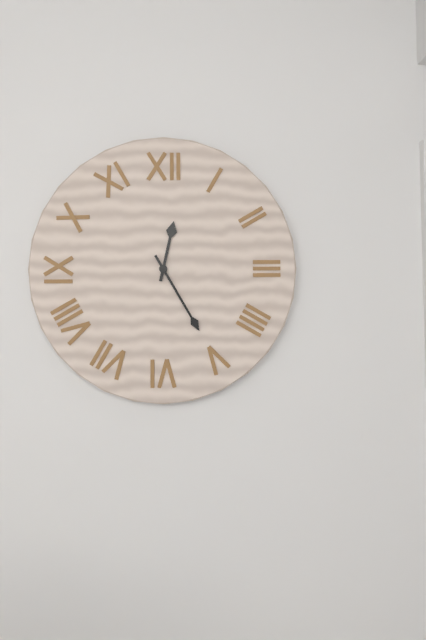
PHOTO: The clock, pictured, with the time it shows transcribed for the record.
12:25
